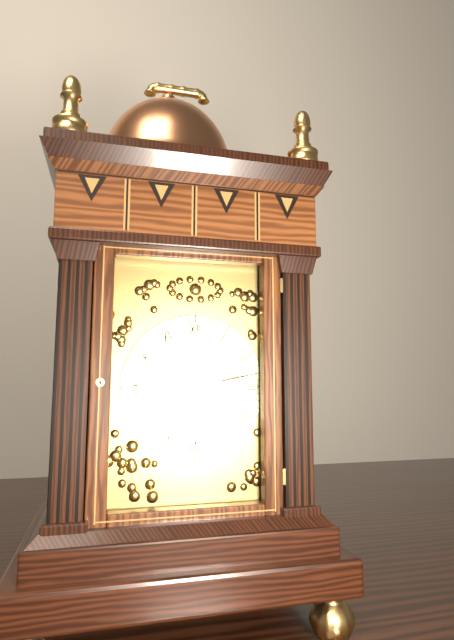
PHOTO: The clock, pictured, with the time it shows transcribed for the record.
9:13
